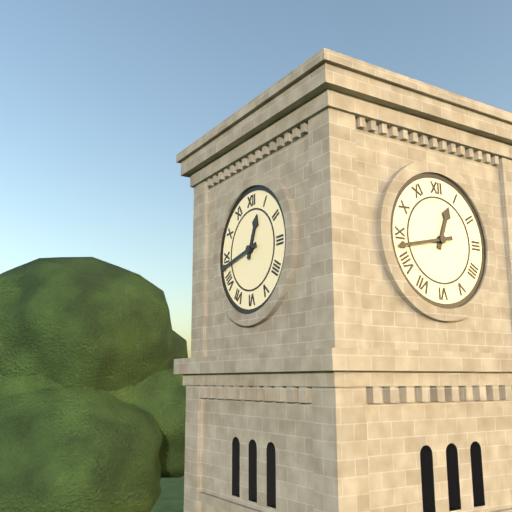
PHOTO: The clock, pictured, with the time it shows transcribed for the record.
12:43
